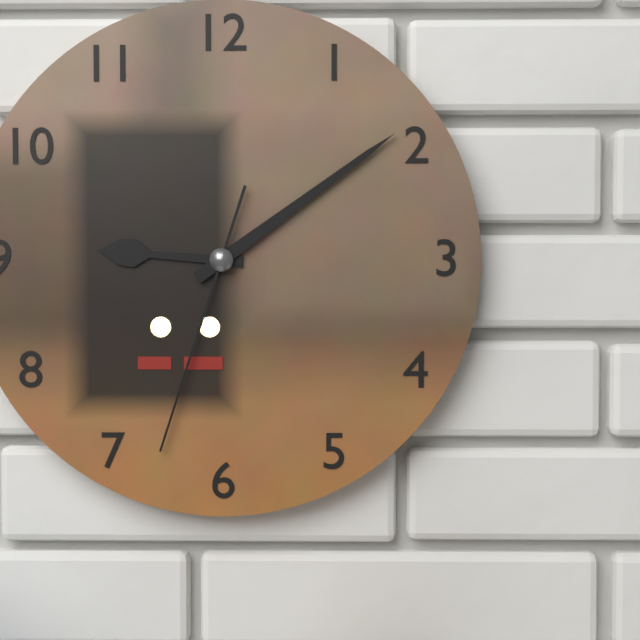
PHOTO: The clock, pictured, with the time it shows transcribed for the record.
9:09:33
